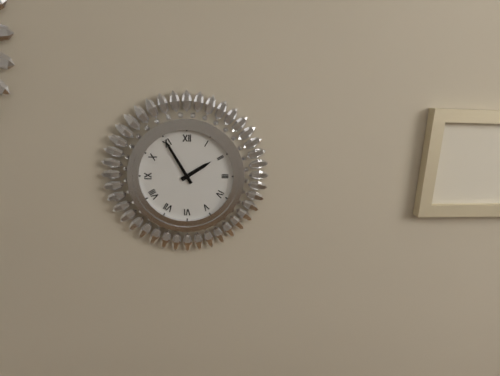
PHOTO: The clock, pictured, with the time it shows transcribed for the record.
1:55
